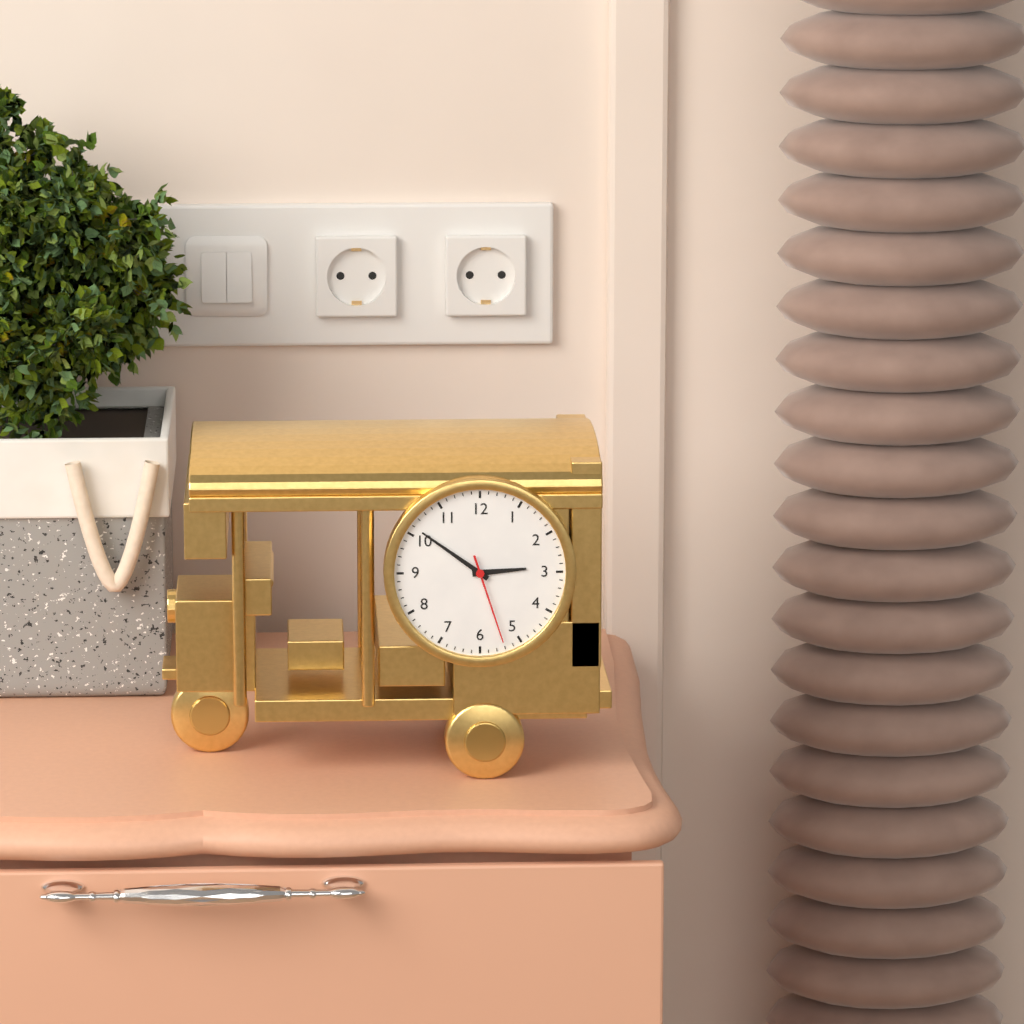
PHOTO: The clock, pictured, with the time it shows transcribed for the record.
2:51:27
